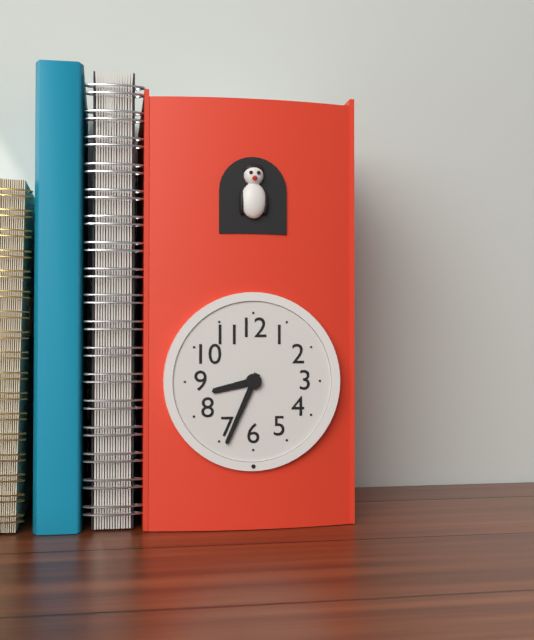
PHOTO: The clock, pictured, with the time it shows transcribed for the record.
8:34
